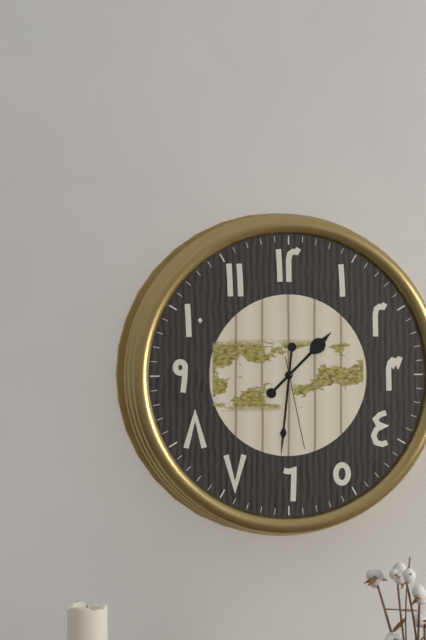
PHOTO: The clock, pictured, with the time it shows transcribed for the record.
1:31:28
